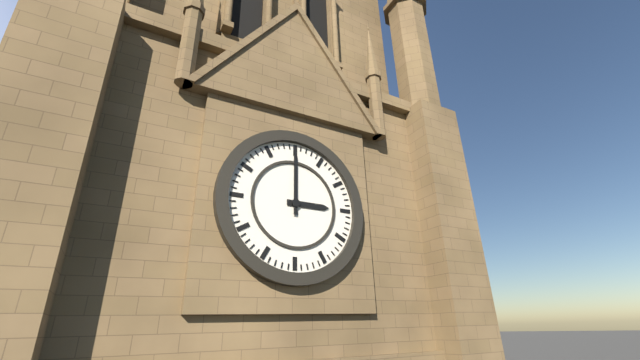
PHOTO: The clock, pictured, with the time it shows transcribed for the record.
3:00
